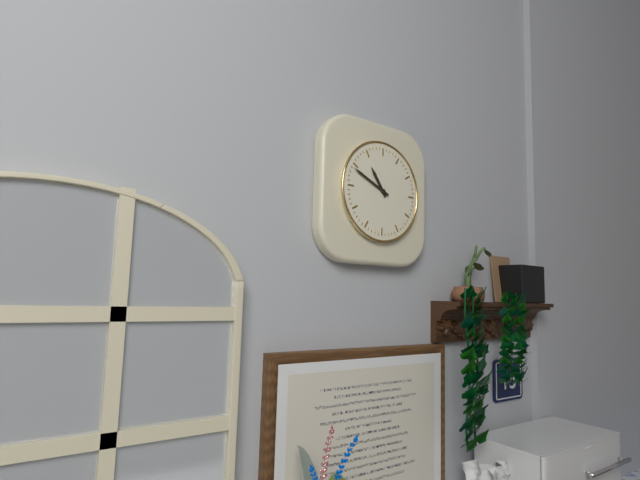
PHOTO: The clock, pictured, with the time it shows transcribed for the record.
10:49
